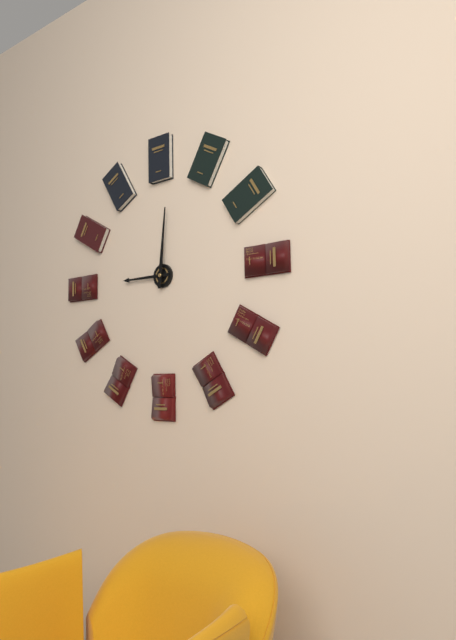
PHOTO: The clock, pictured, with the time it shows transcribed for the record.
9:01
